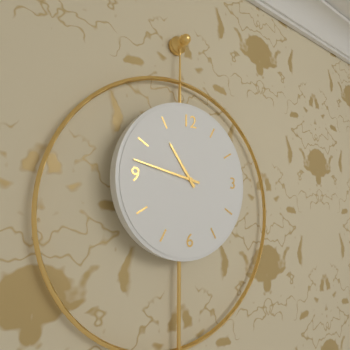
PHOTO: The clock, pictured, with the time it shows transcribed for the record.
10:47
